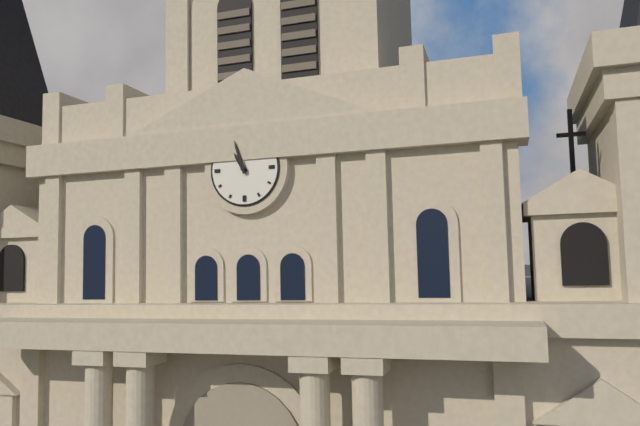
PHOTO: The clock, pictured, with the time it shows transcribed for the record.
10:57
